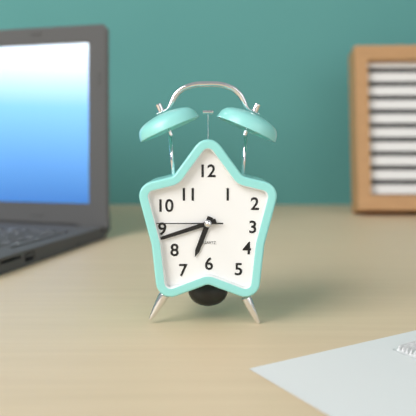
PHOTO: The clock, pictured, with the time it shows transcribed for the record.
6:42:45
